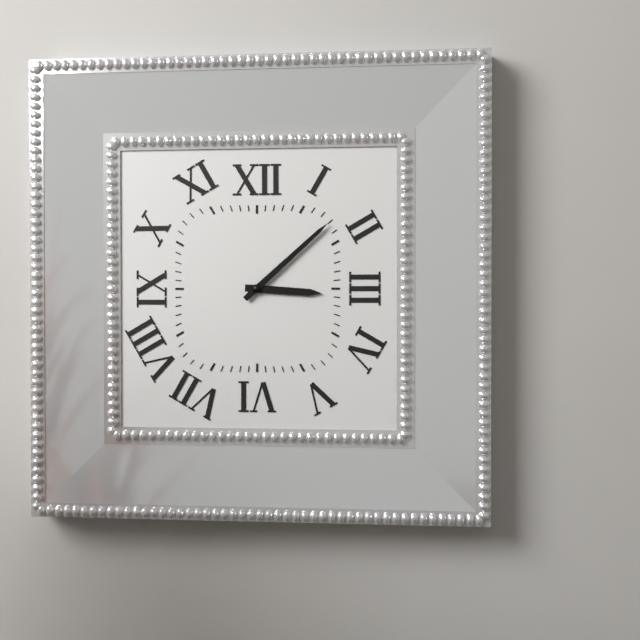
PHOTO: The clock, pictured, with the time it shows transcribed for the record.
3:08
